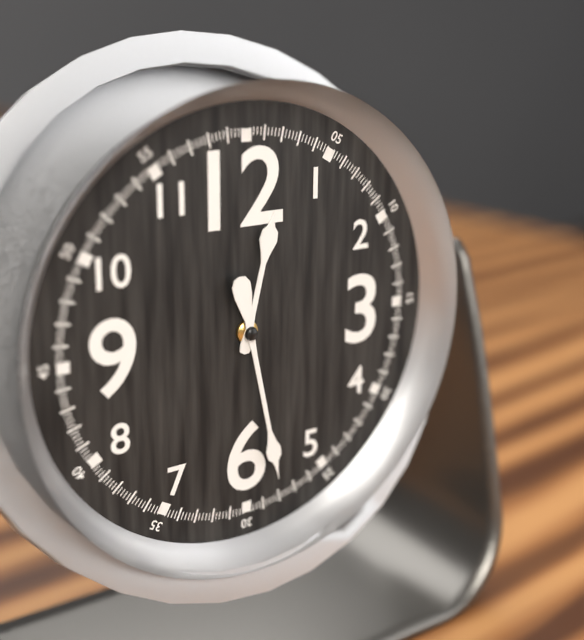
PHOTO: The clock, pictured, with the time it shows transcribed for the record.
12:28
